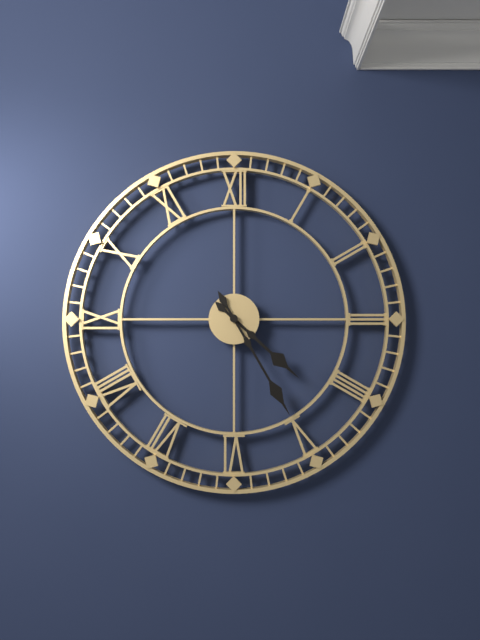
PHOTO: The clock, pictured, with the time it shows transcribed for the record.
4:25
